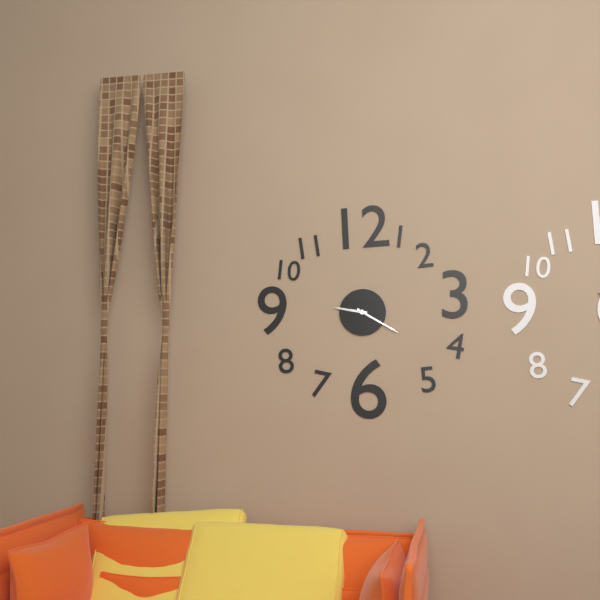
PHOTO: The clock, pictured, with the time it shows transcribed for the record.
9:20
